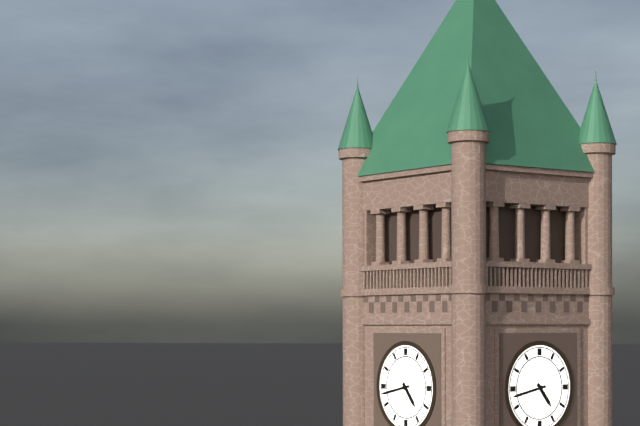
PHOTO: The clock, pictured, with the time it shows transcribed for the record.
4:43
